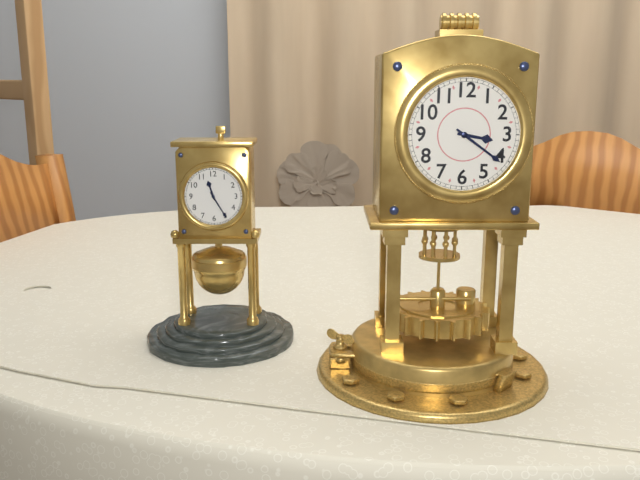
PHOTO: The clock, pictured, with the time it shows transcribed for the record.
3:21
